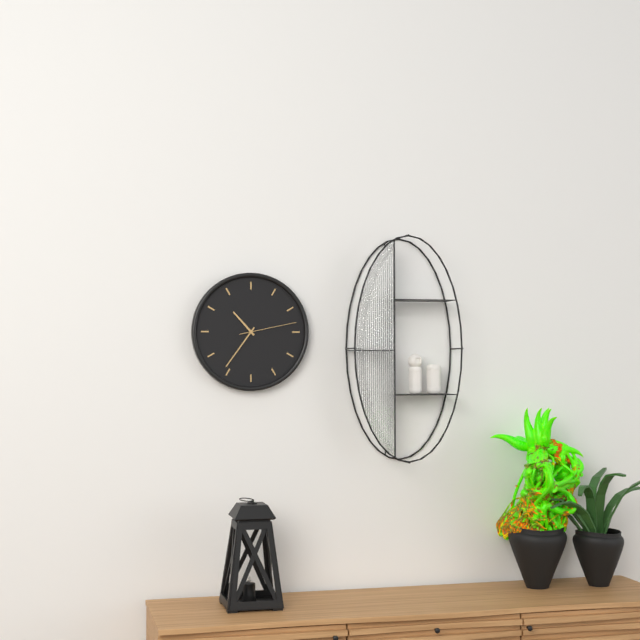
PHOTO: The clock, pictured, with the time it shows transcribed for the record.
10:36:13
